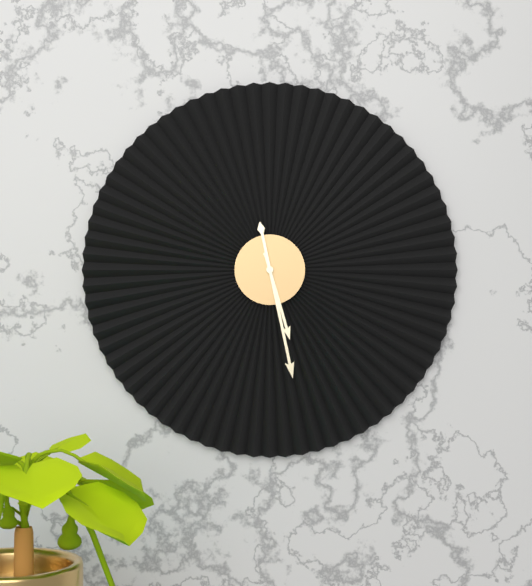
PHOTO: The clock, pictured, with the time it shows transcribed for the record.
5:28
